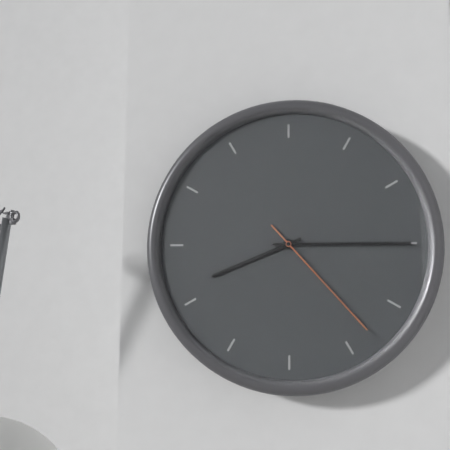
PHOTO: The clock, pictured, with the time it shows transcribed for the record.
8:15:23
